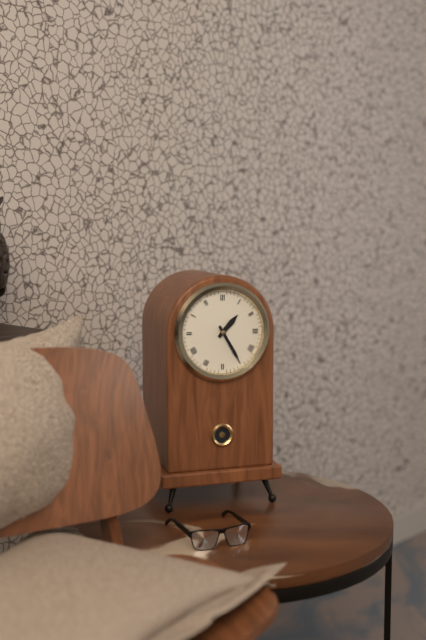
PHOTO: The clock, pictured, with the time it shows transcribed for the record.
1:25
